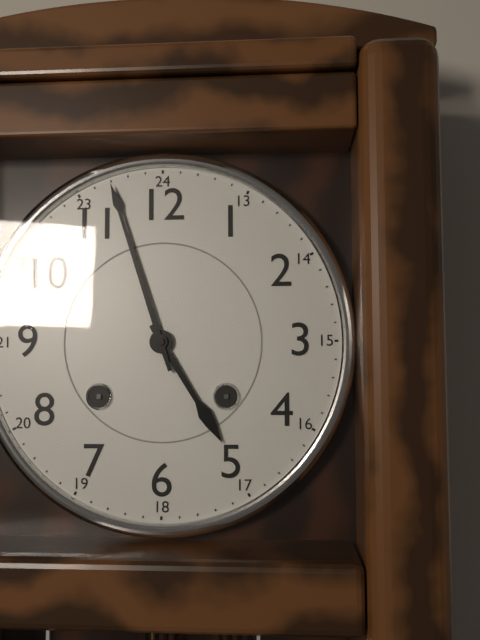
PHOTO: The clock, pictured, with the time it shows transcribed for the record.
4:57
